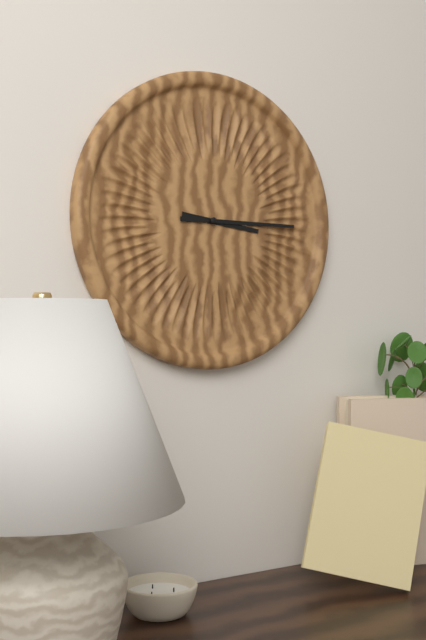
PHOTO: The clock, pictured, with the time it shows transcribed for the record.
3:15
